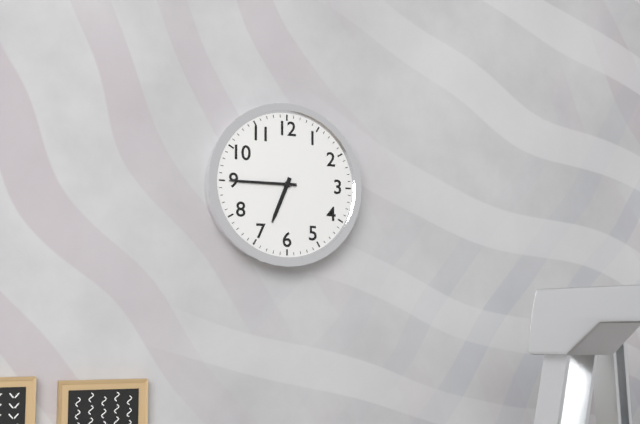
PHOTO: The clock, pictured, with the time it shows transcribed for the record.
6:45
